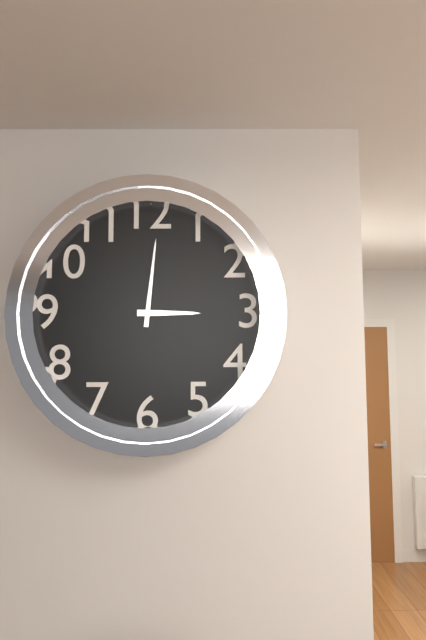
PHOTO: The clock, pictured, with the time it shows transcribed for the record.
3:01
